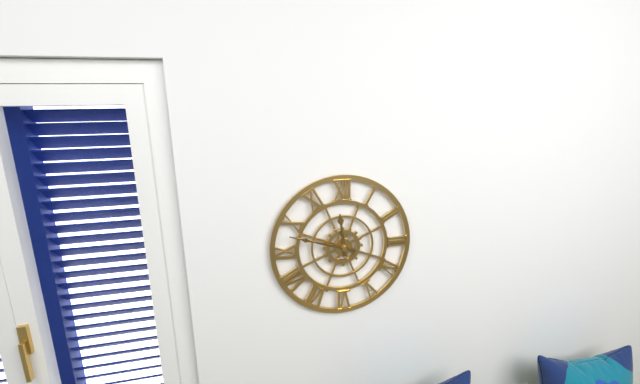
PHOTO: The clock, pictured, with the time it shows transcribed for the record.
11:48
